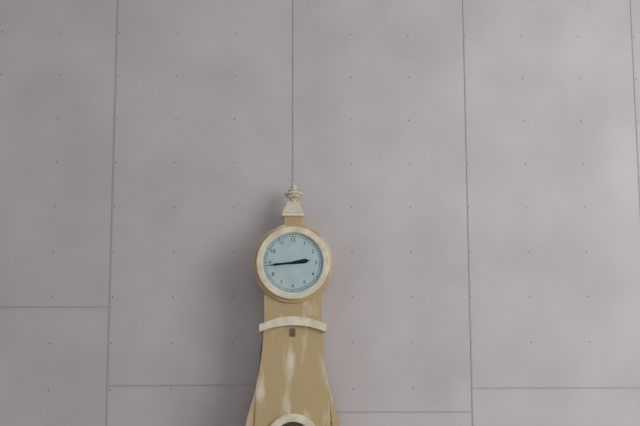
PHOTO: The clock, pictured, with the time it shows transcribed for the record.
2:44
